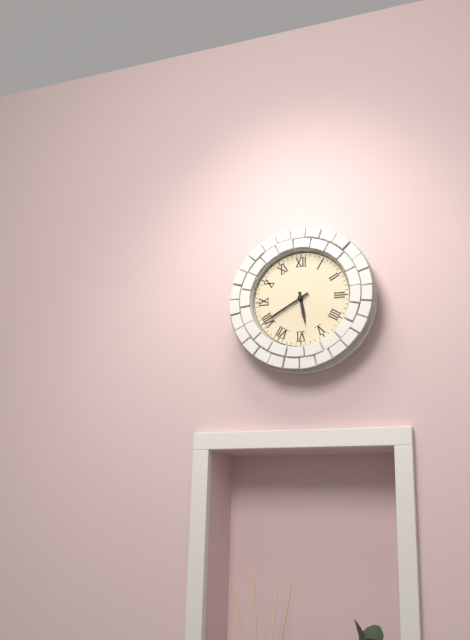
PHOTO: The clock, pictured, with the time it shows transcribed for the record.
5:40
